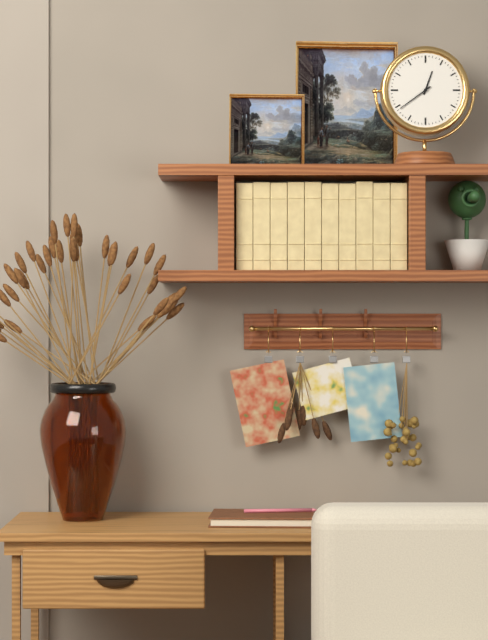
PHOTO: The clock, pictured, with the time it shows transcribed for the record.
12:39
